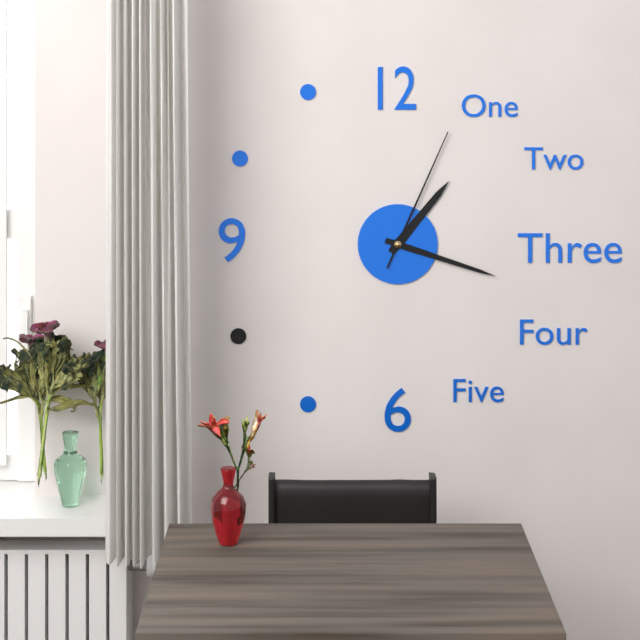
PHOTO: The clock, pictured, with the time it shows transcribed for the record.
1:18:04
